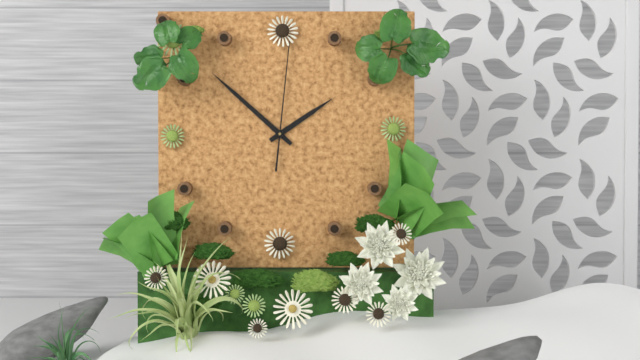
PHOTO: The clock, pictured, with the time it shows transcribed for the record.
1:52:01
